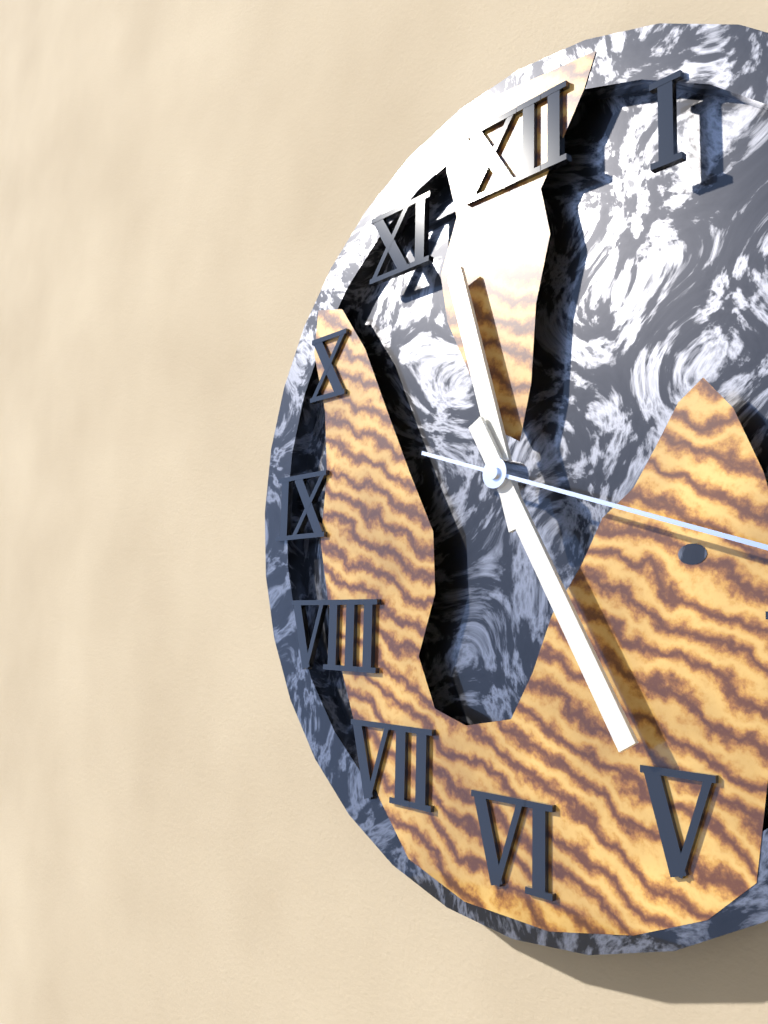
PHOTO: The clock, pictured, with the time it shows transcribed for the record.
11:25
